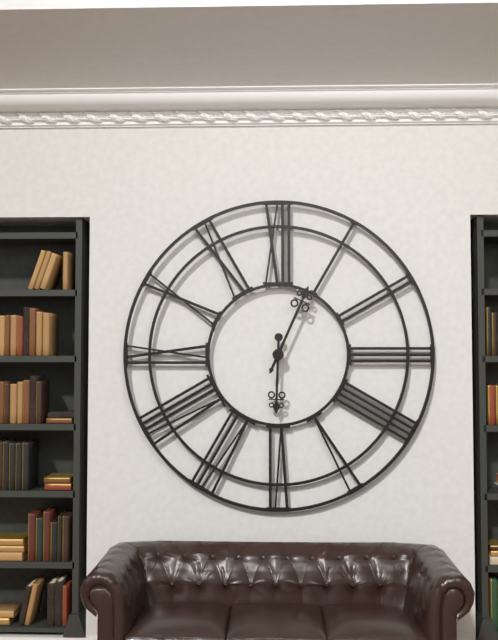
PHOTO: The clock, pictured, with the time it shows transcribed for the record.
6:04
